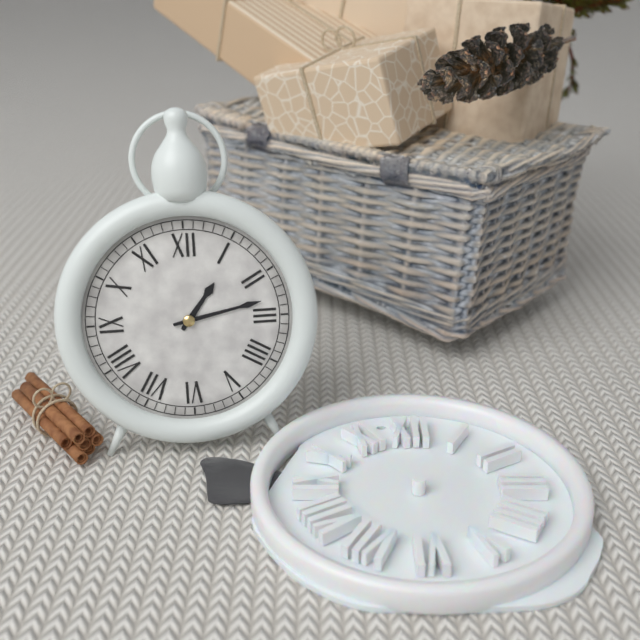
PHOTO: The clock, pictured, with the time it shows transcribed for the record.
1:13
